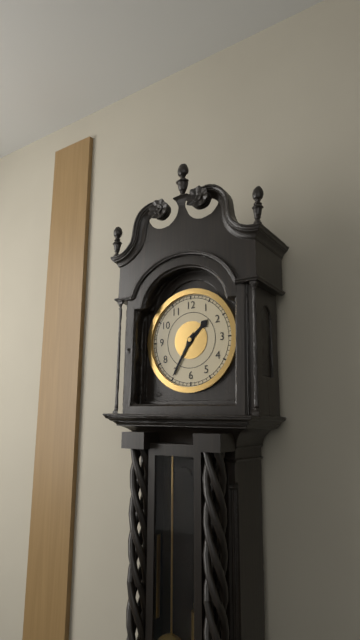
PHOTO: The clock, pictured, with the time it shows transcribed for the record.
1:35
